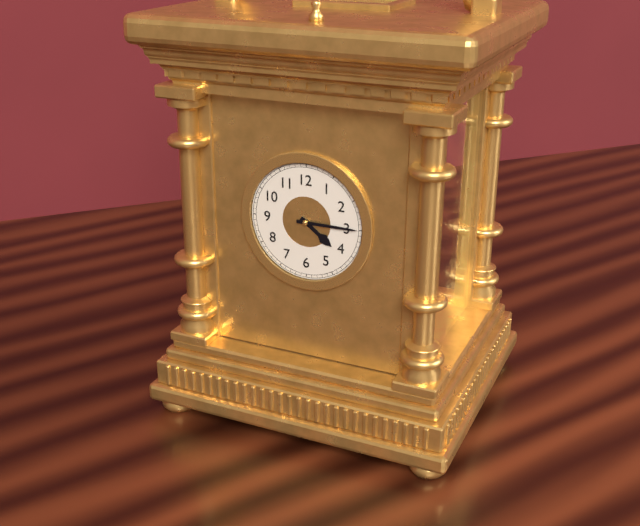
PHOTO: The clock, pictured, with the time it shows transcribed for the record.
4:15
